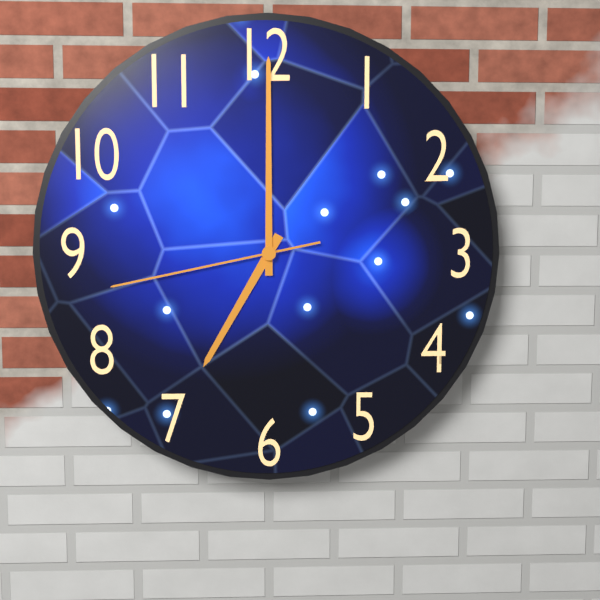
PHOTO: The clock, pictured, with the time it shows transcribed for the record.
7:00:43
